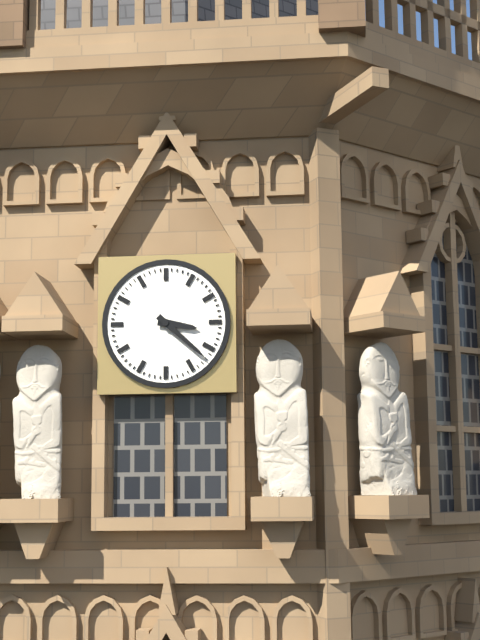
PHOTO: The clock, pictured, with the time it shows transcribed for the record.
3:22
